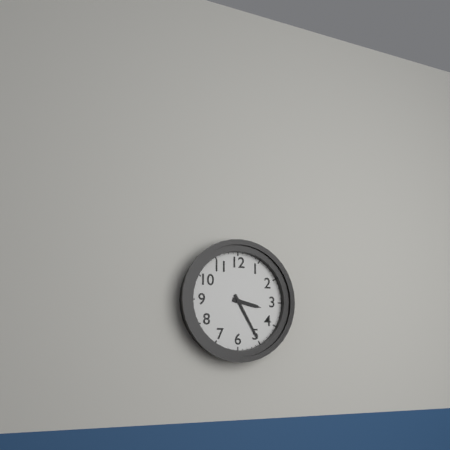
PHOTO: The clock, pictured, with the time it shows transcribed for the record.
3:25
